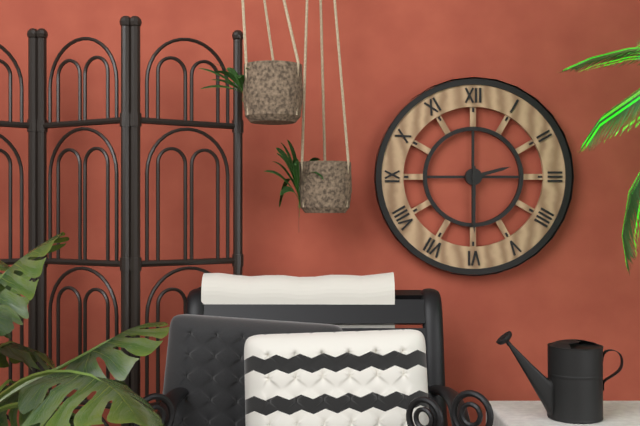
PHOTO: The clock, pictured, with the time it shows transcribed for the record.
2:30
